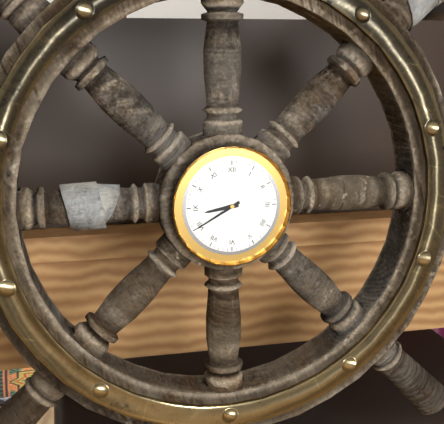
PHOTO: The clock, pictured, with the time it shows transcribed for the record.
8:40
